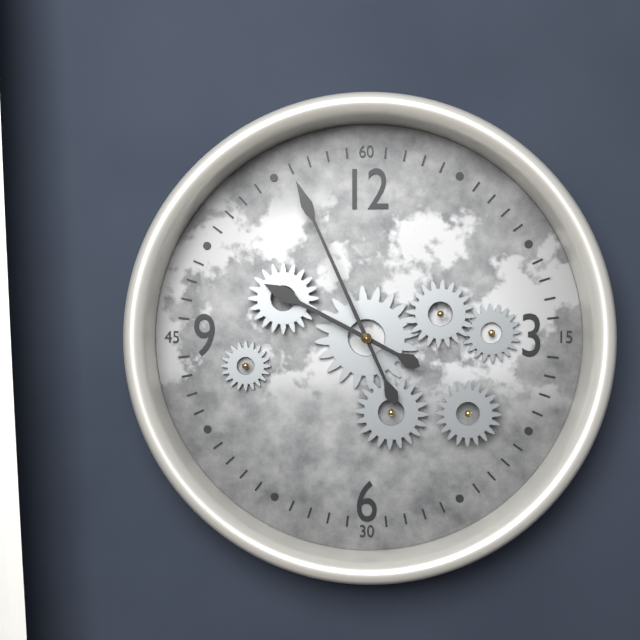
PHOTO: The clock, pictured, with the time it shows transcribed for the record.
9:56
